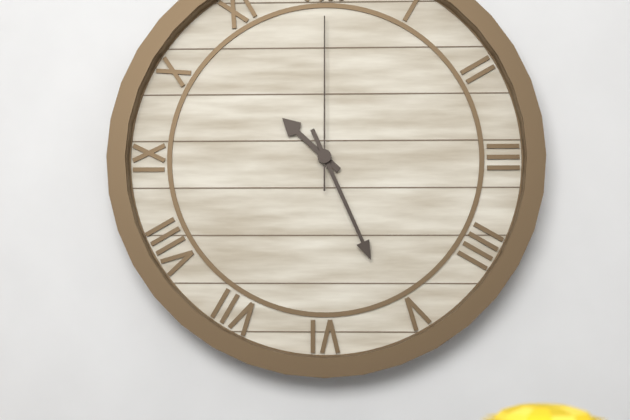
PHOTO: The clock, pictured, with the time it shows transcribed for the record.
10:26:00
